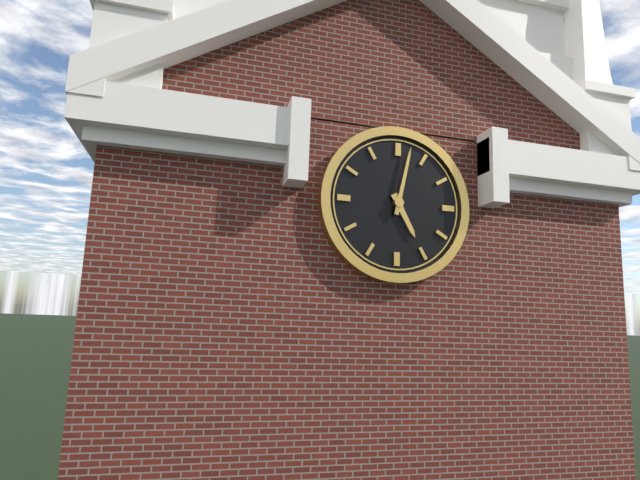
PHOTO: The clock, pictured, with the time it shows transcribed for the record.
5:02
